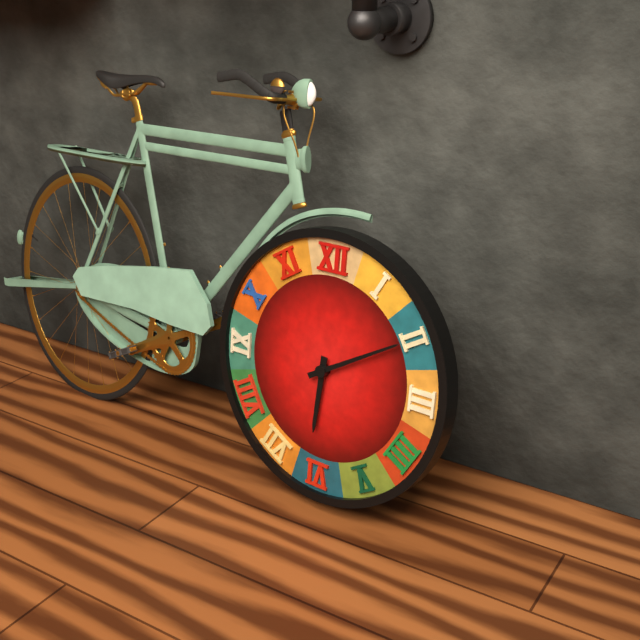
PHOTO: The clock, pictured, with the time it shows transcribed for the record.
6:10
